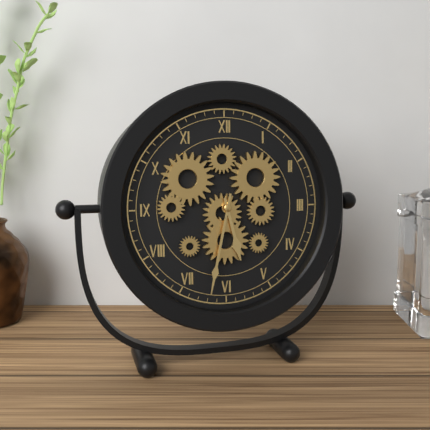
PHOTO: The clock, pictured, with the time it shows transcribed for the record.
5:32
